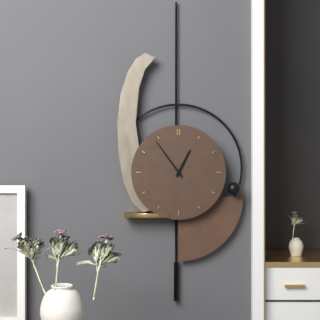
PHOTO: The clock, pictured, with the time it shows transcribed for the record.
12:54
